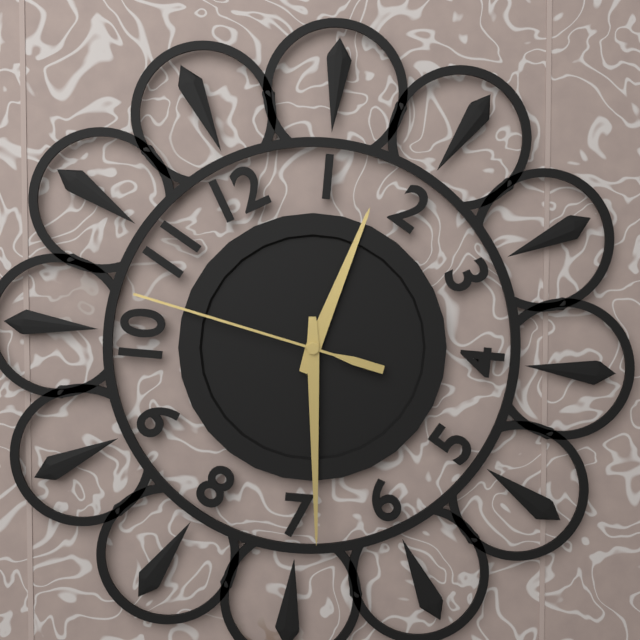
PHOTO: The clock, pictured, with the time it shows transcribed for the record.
1:34:52
